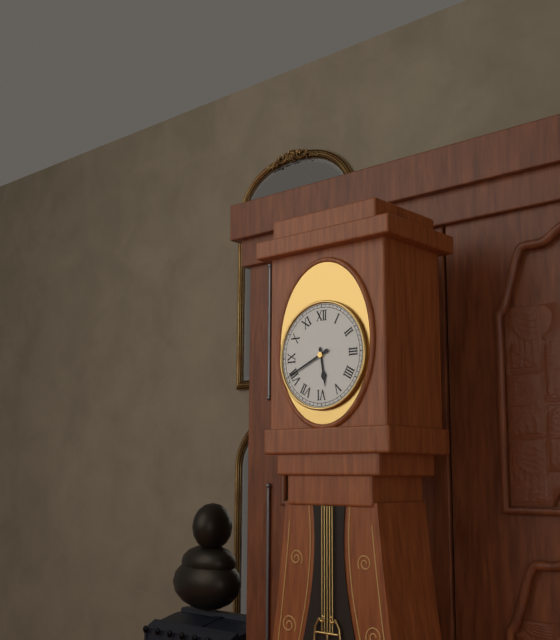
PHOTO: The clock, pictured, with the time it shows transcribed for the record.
5:41
